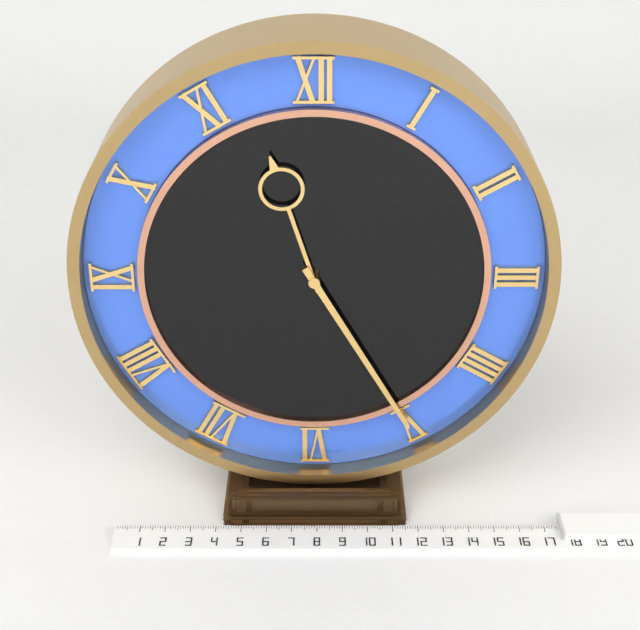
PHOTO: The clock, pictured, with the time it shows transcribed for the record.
11:25
